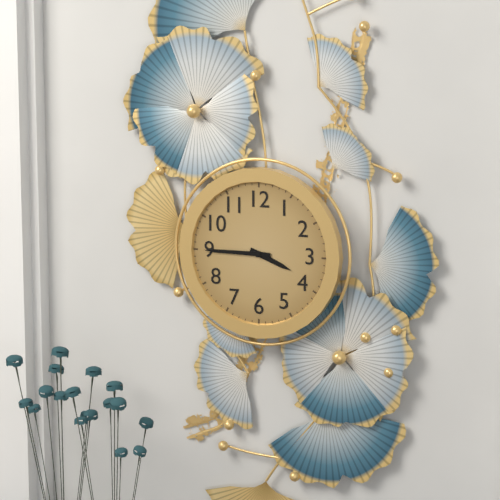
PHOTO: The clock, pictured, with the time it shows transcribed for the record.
3:45
